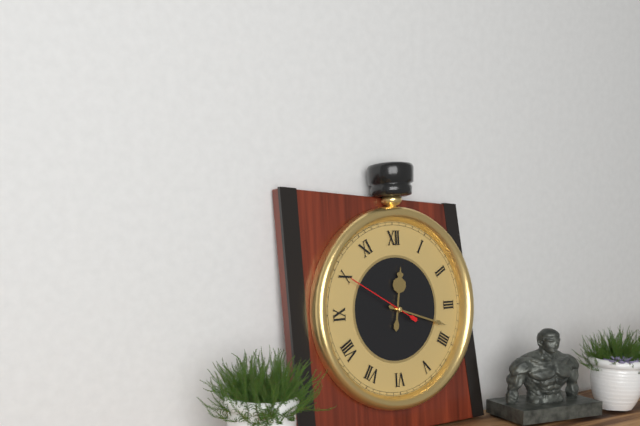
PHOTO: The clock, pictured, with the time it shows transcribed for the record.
12:18:50
